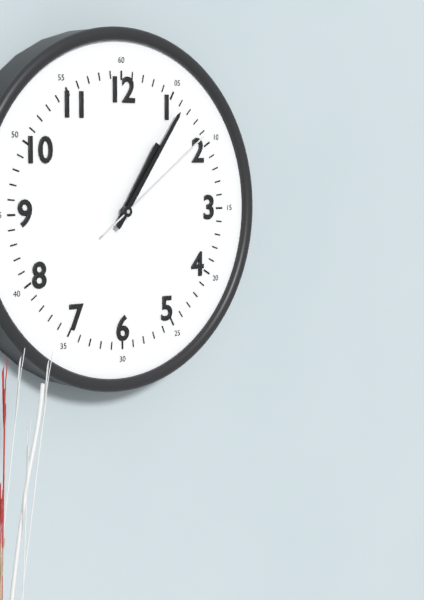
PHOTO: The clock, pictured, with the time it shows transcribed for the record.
1:06:09
